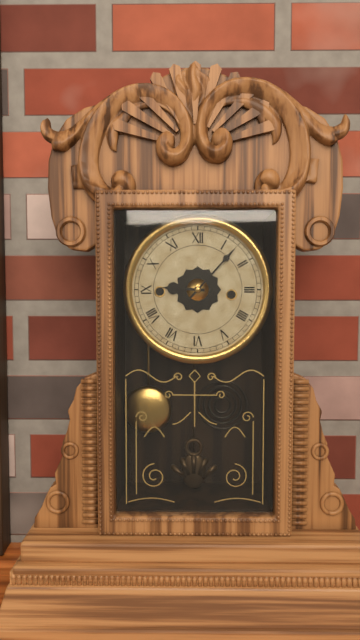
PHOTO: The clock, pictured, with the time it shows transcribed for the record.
9:07
